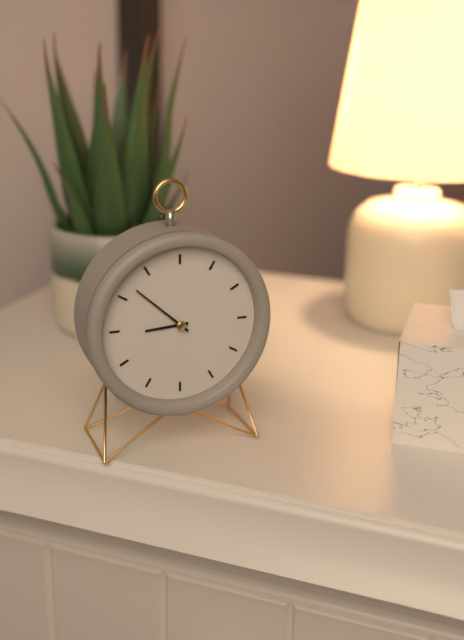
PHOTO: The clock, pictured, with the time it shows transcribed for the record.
8:52
